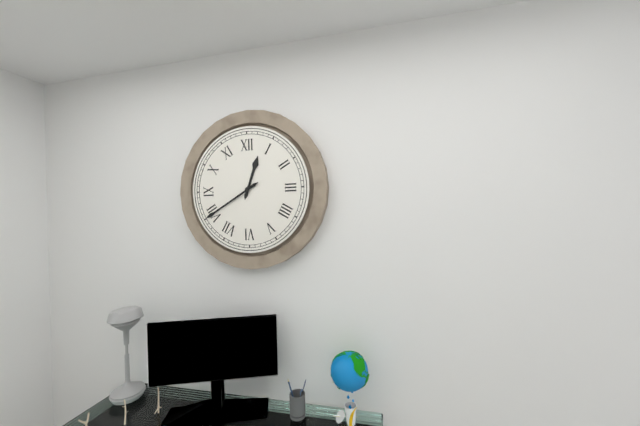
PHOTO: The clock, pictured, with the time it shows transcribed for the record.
12:40
